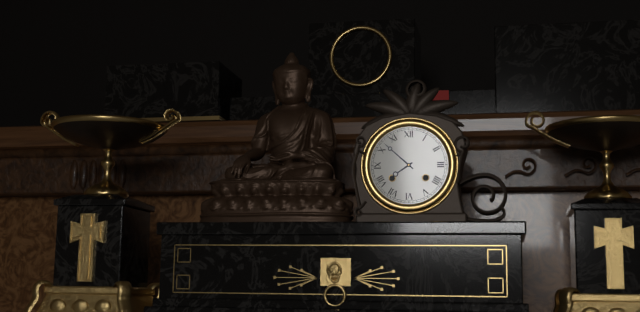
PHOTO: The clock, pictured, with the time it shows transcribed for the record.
7:52
